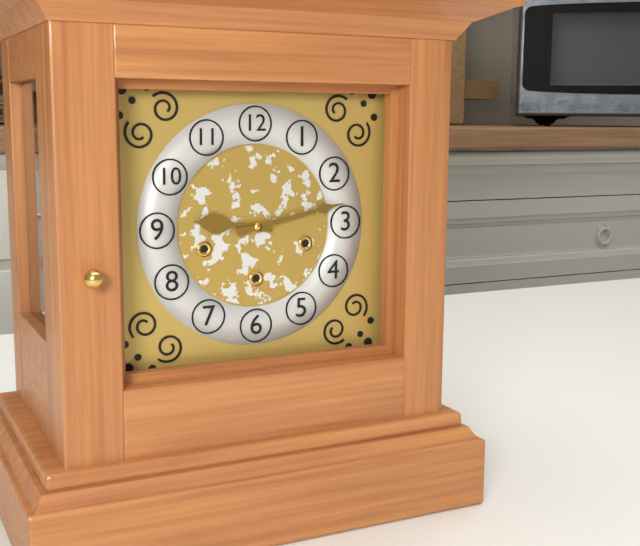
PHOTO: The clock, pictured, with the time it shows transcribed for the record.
9:13
